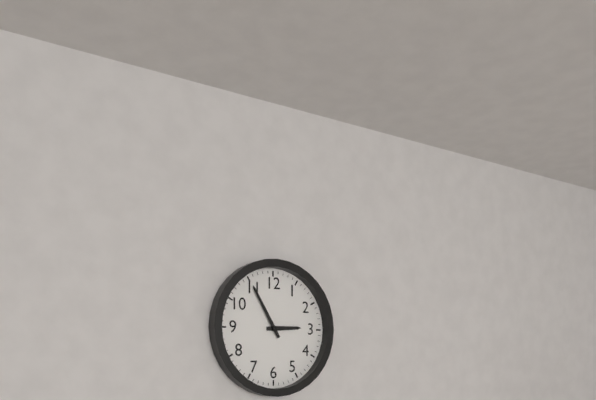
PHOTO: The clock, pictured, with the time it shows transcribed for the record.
2:55
